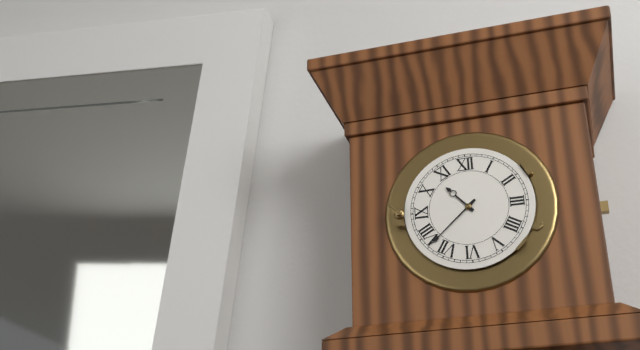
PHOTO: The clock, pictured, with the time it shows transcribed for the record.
10:38
